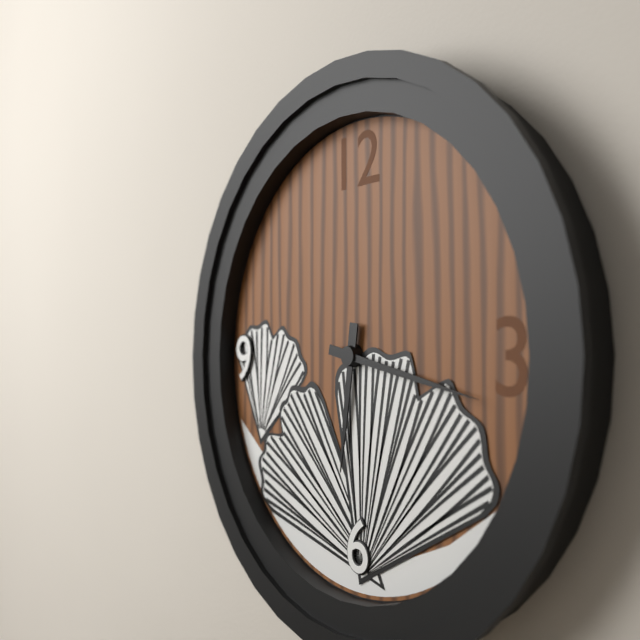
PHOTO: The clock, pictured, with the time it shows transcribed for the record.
6:17
